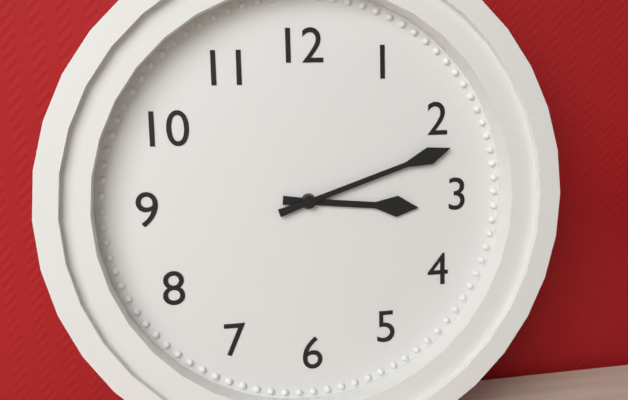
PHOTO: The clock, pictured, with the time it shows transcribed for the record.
3:12
